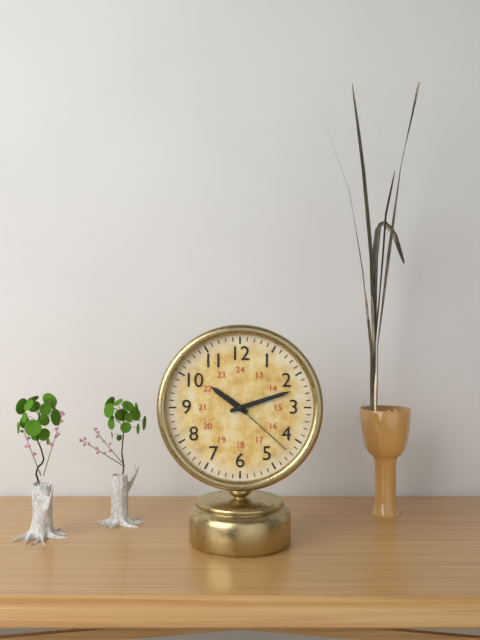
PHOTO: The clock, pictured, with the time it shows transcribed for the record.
10:12:22
